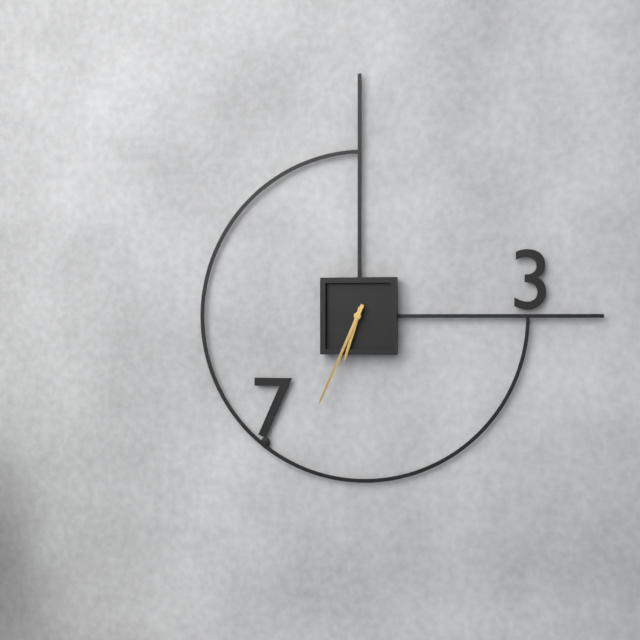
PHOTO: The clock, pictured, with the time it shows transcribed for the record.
6:34
